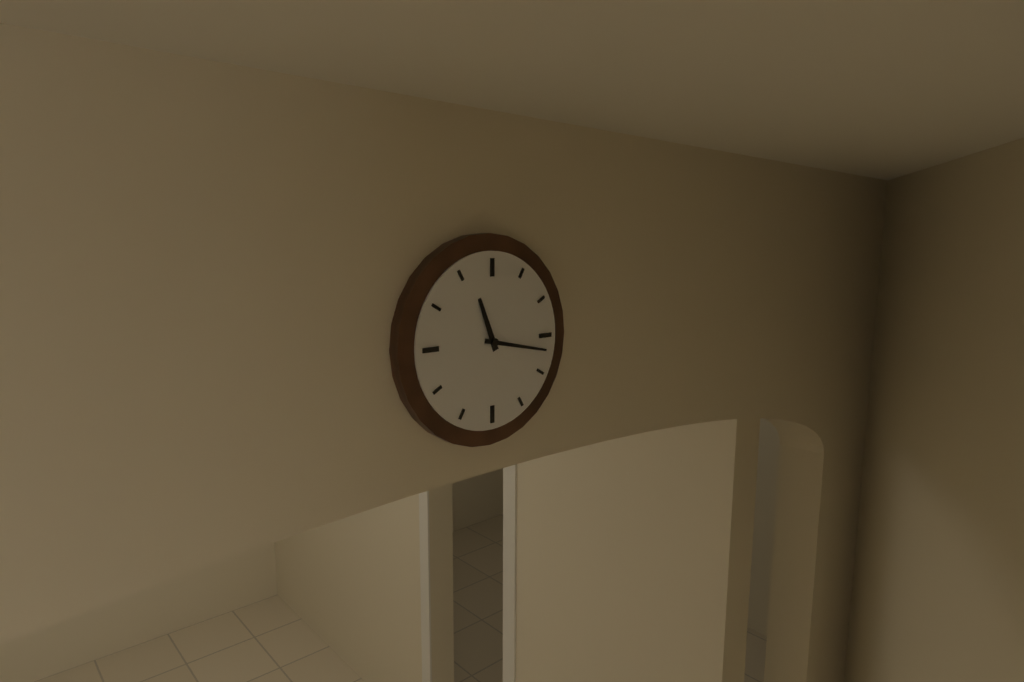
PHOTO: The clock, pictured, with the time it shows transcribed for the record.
11:17
